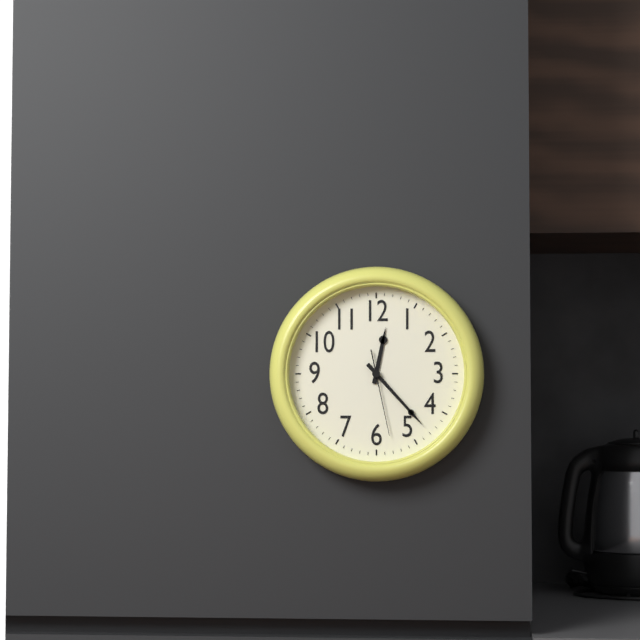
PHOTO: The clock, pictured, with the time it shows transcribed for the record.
12:23:28
